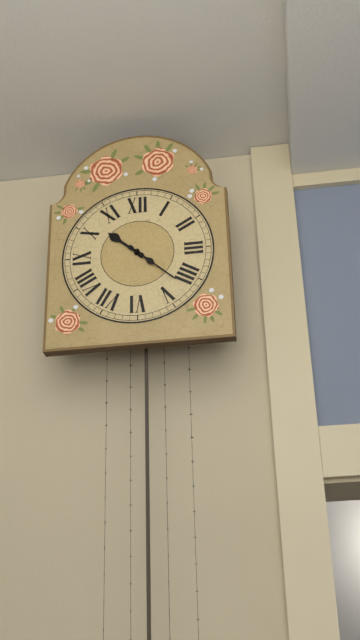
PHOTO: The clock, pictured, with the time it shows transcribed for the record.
10:22
